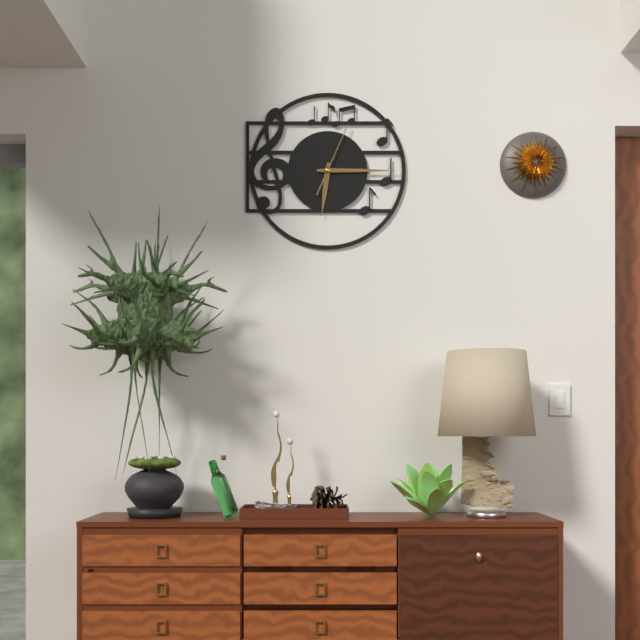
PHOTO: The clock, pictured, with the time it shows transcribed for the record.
6:15:04
